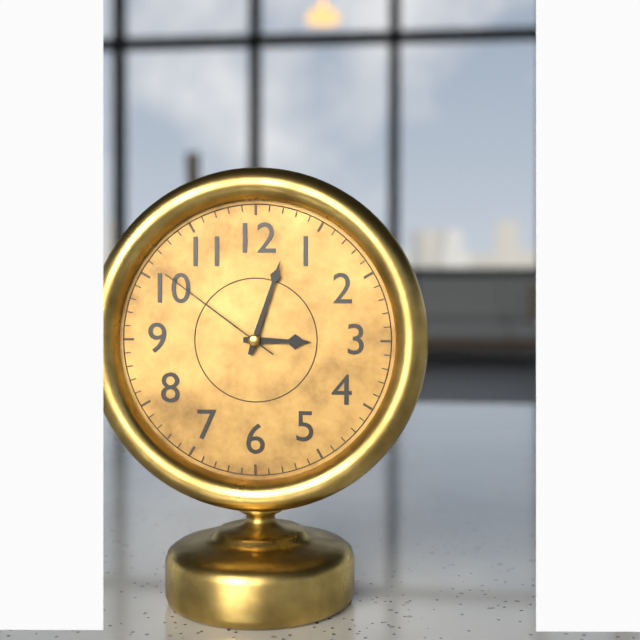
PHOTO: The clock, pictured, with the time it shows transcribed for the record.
3:03:51
